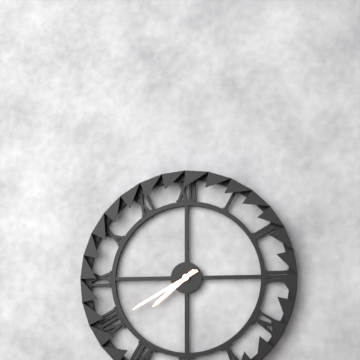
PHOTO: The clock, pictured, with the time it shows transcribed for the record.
7:40
